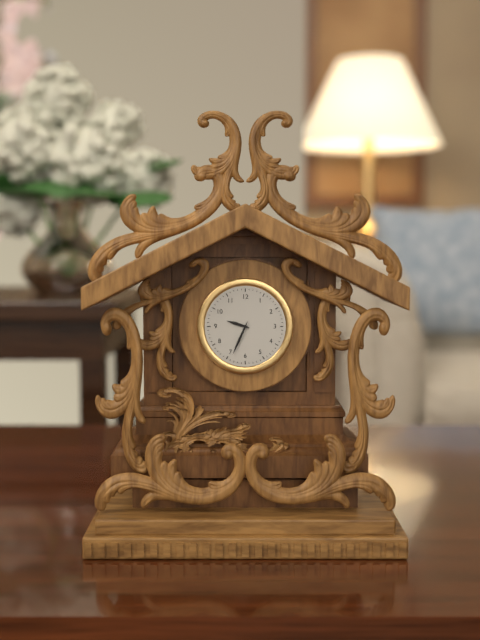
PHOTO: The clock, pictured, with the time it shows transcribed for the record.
9:34
